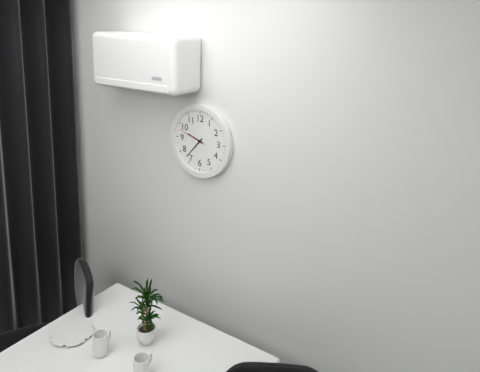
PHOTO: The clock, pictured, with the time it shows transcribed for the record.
9:37
